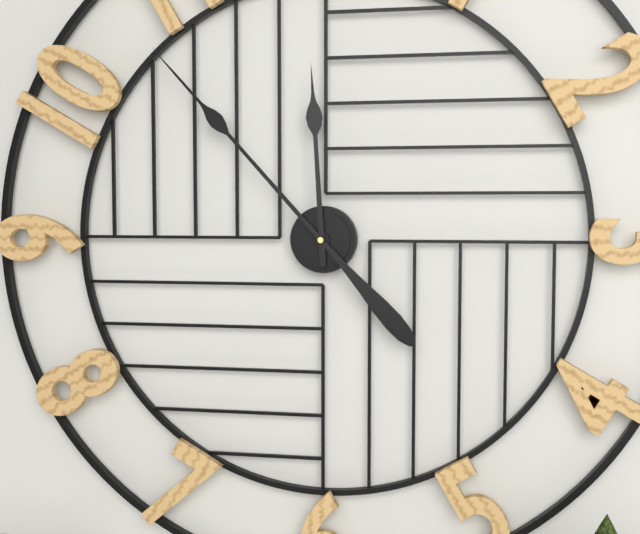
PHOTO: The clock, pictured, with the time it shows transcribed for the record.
11:53
